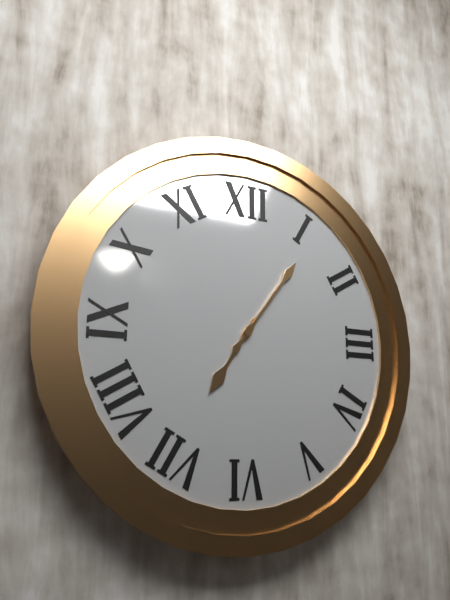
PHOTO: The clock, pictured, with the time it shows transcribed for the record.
7:06
